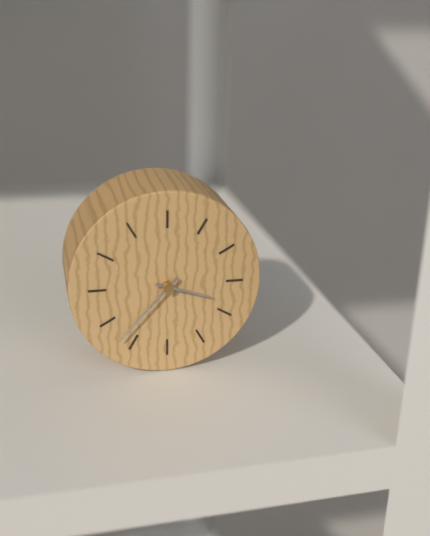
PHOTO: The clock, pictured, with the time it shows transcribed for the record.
3:37
